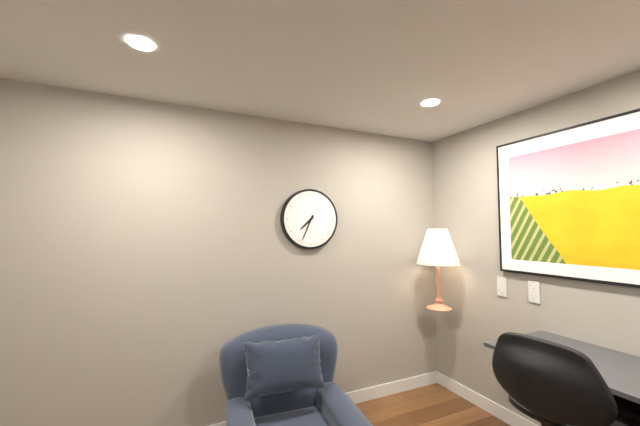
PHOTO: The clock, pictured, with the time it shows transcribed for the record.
7:34
